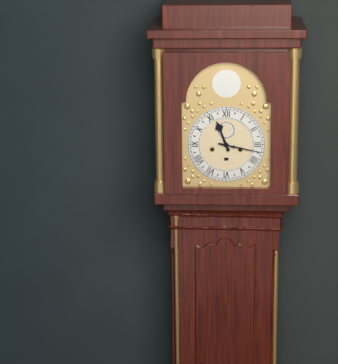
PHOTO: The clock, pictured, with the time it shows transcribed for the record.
11:17
